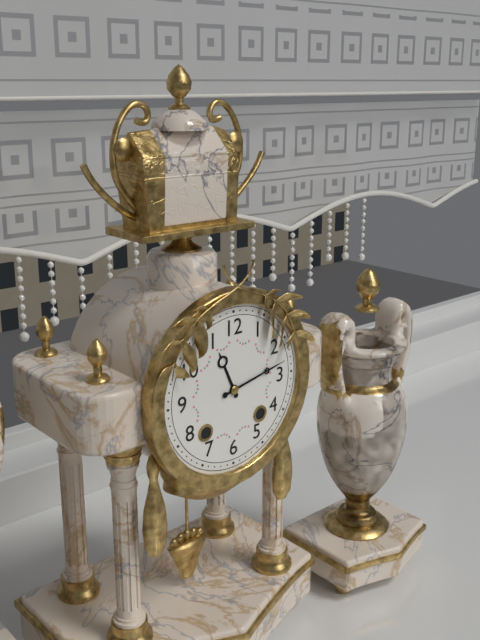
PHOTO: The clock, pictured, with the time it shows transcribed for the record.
11:13
